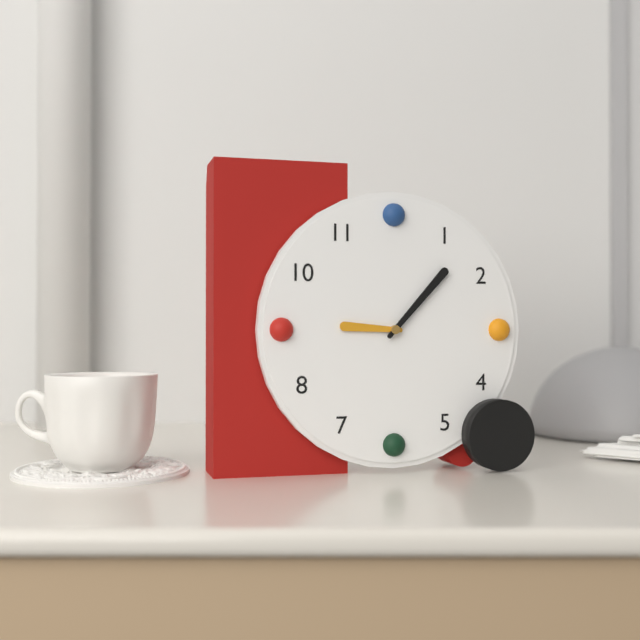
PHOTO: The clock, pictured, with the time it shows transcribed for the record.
9:07
